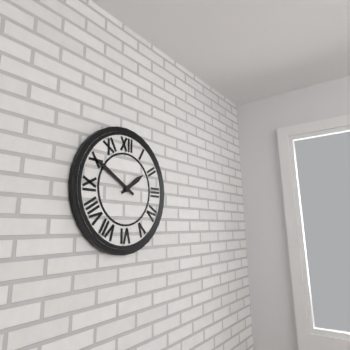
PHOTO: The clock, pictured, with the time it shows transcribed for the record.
1:50
